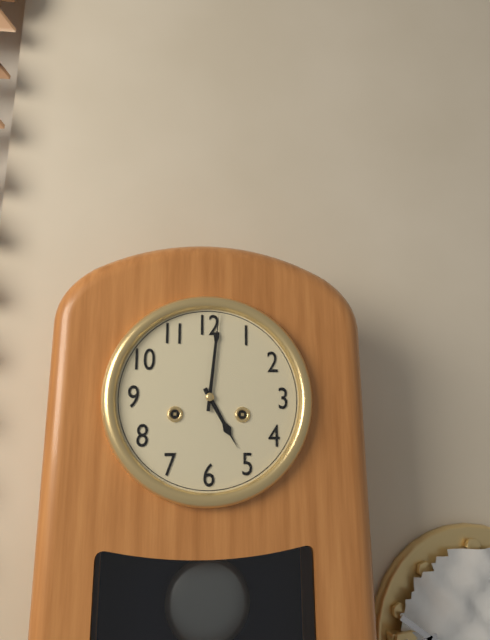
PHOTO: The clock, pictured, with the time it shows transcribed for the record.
5:01
